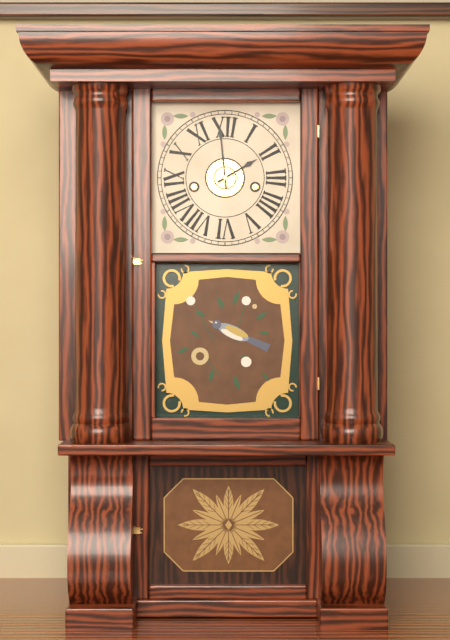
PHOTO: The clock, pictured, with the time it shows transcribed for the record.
1:59
